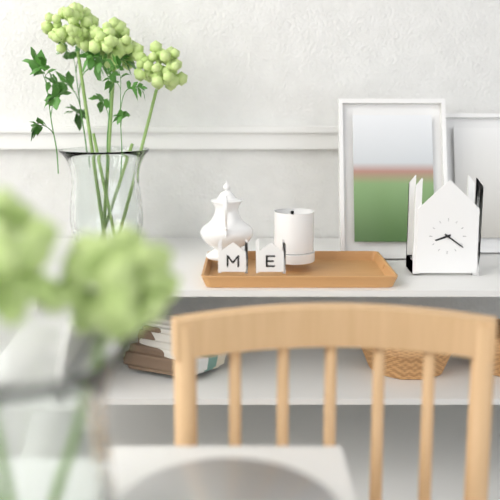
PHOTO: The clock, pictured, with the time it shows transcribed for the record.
8:21
